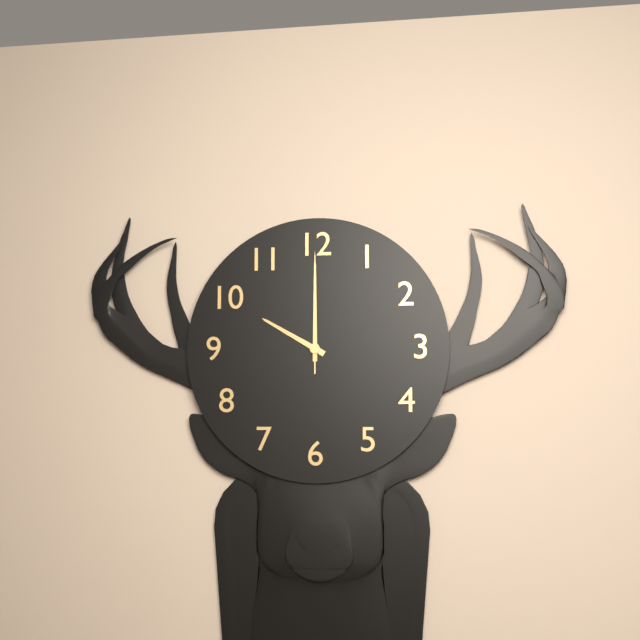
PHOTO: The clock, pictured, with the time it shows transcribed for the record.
10:00:00
